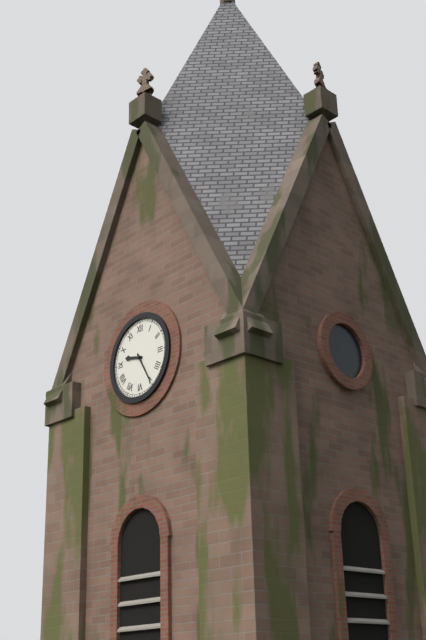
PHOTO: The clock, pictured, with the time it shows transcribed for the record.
9:25
